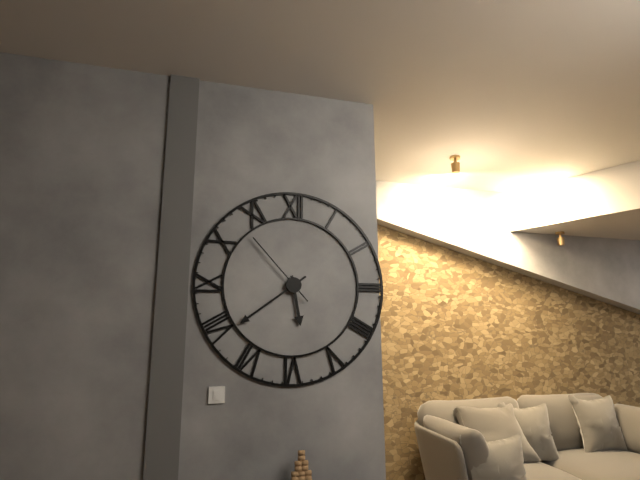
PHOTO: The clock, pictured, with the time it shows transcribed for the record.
5:39:53
